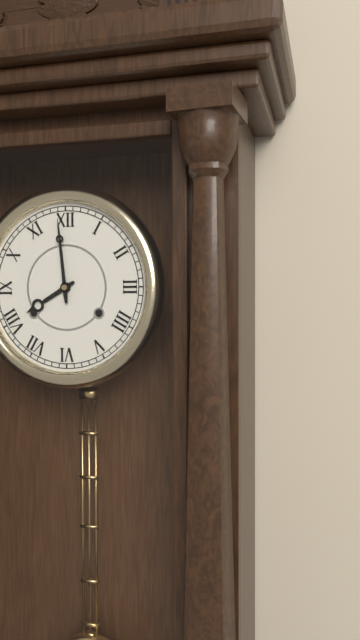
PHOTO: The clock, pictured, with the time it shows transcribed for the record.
7:59
